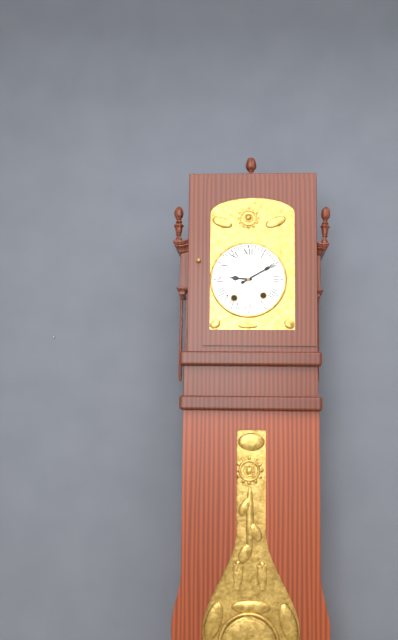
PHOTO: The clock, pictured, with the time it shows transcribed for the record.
9:10
